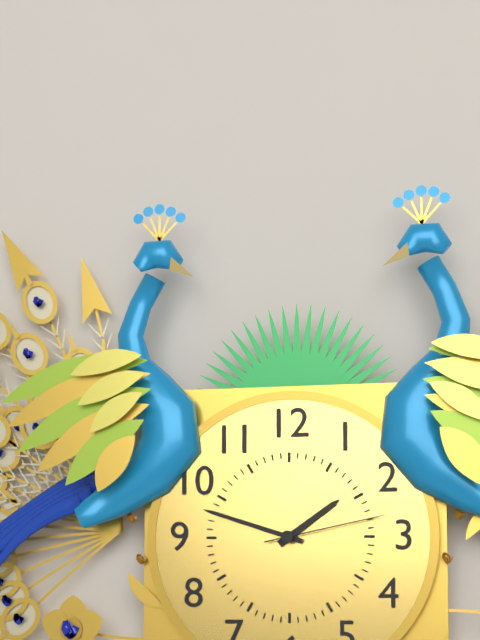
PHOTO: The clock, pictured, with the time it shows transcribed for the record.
1:48:13
